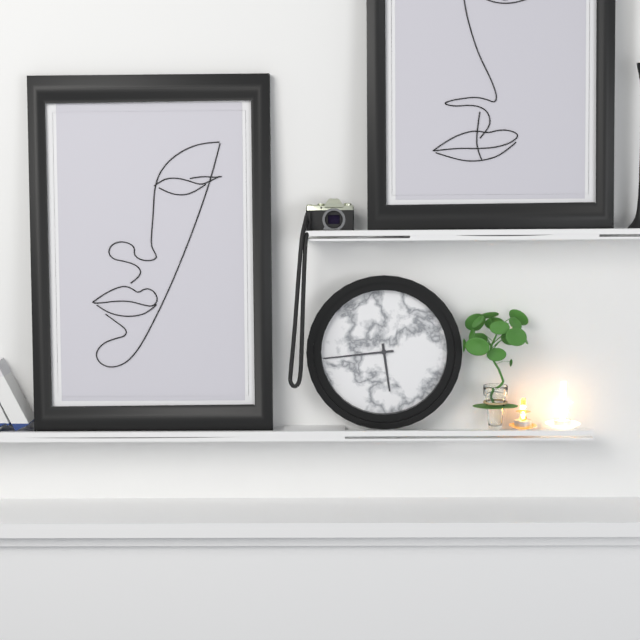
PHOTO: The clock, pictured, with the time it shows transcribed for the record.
5:44
